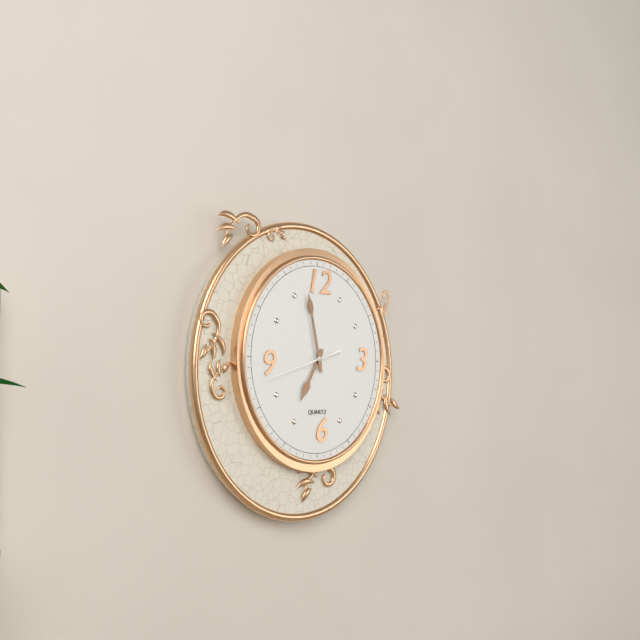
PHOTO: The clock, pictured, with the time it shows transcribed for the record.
6:58:42
